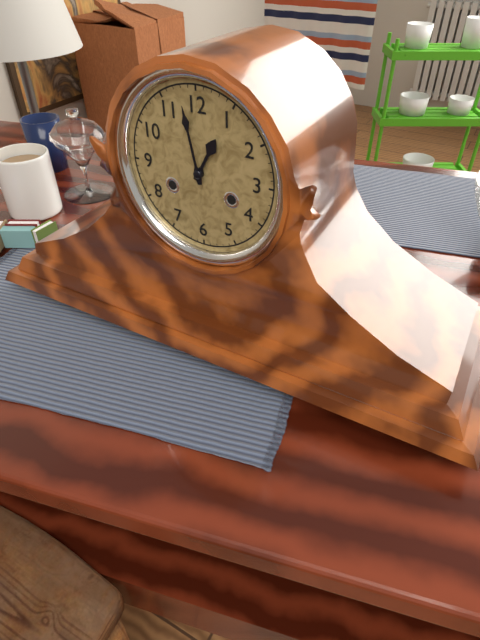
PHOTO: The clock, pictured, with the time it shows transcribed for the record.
12:58
